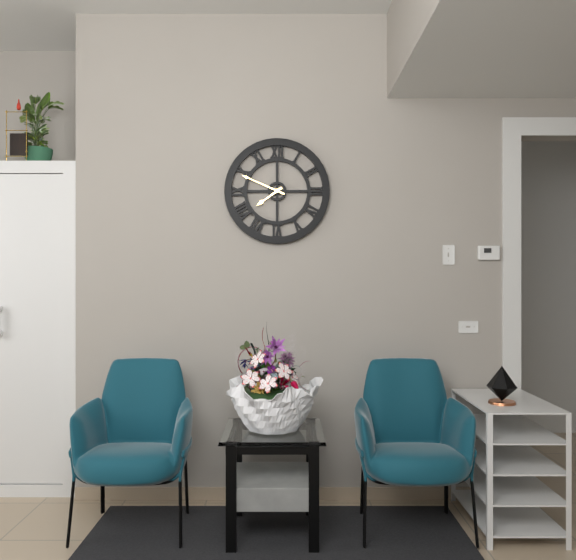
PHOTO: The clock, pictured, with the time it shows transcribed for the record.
7:49
